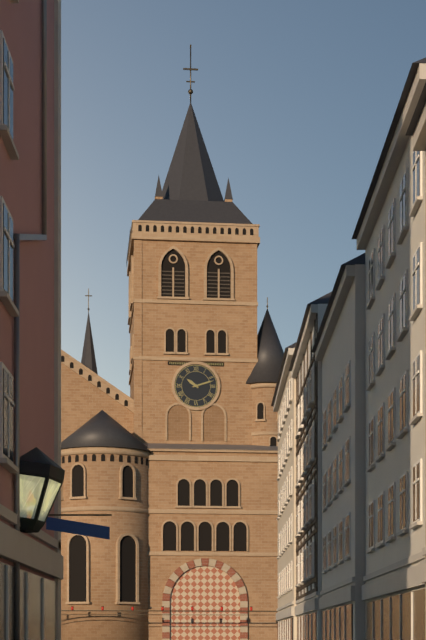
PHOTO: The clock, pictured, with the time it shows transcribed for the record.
10:12
